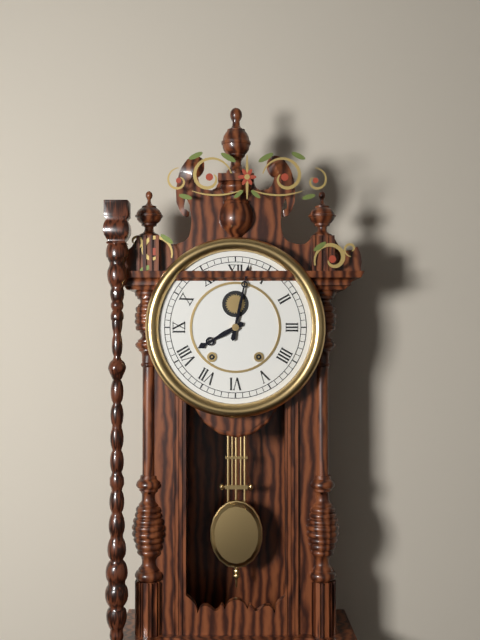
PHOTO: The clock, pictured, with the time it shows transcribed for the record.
8:02
